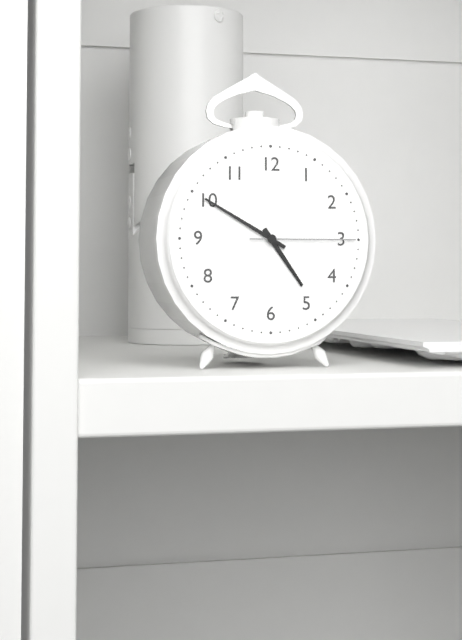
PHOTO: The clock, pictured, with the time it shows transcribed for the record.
4:50:15
